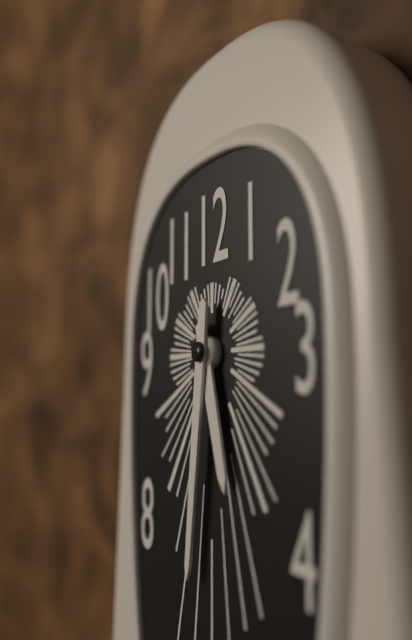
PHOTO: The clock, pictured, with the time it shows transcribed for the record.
5:31
